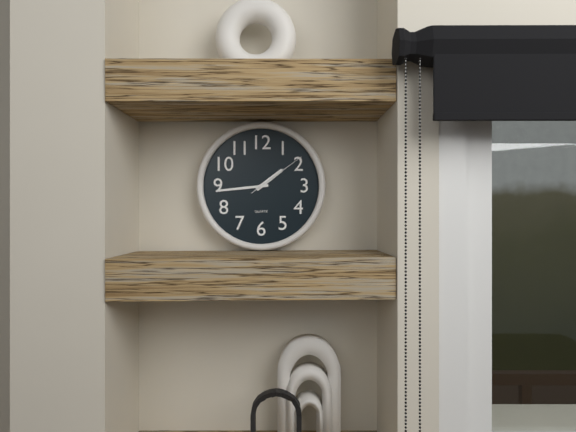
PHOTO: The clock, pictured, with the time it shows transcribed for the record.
1:44:09
